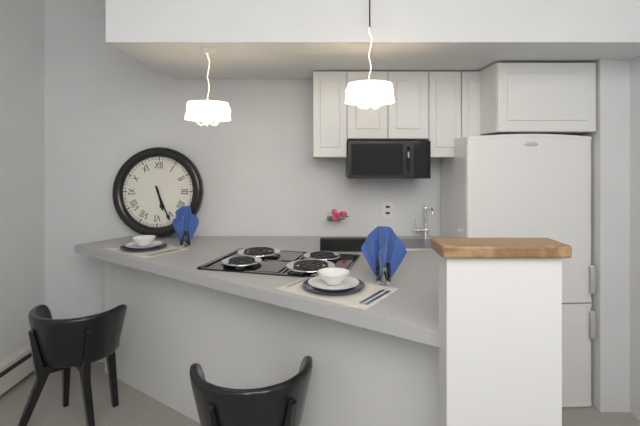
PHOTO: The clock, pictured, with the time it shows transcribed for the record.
5:26
